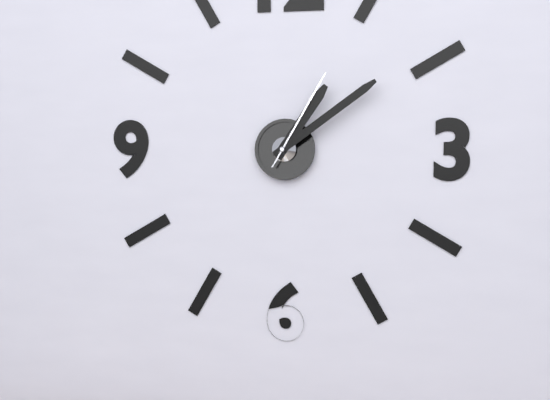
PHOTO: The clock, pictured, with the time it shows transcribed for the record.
1:09:05
